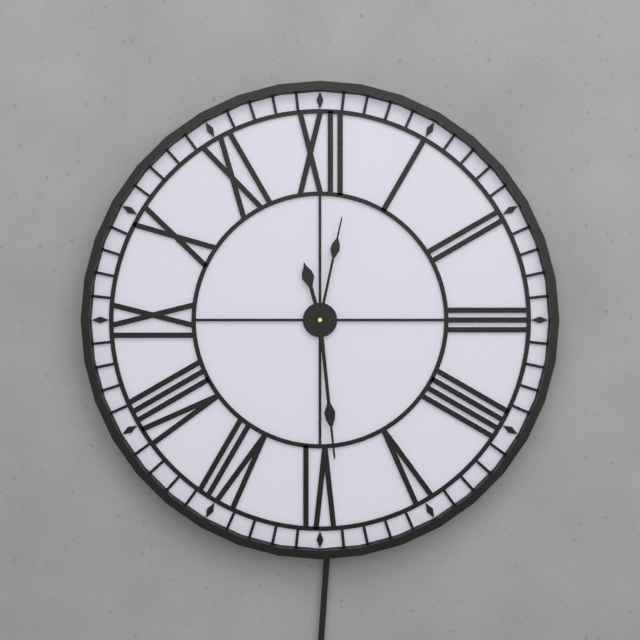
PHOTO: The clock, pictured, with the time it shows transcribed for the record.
11:29:02
